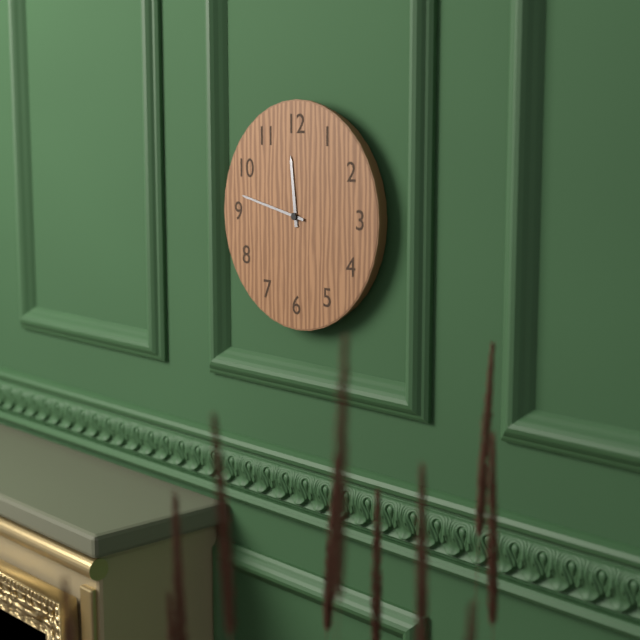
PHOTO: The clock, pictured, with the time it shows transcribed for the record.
11:47
